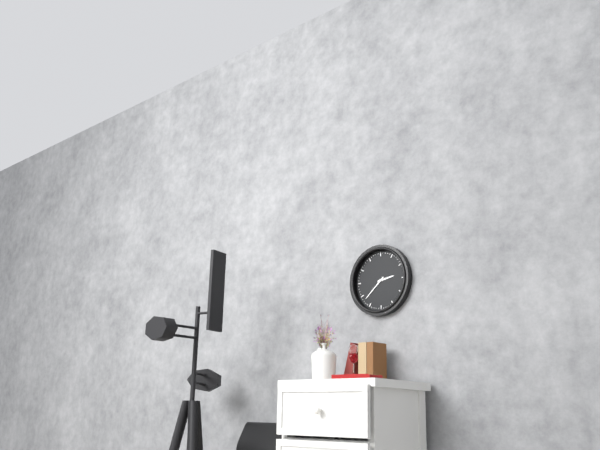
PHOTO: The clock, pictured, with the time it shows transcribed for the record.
2:38
